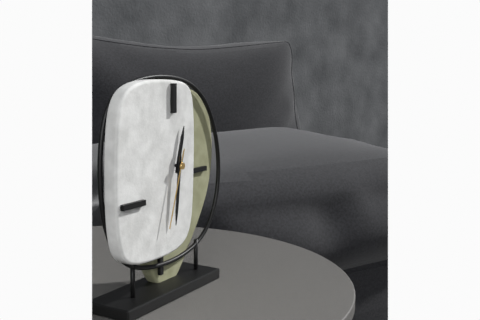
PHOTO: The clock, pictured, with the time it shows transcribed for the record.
12:31:33
